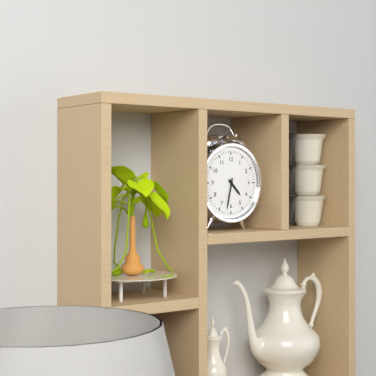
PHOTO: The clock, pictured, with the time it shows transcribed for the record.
4:32
